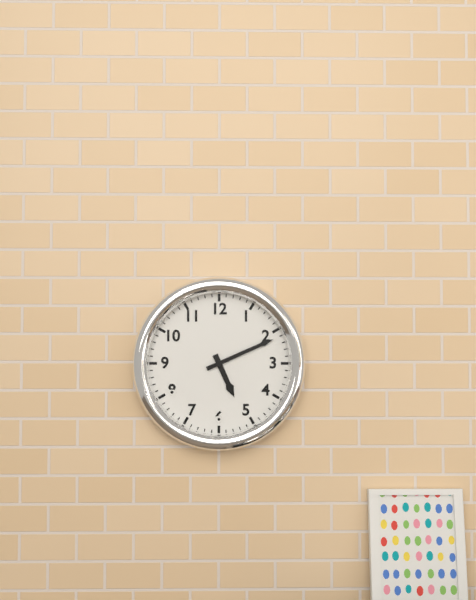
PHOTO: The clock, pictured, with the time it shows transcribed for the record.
5:11
